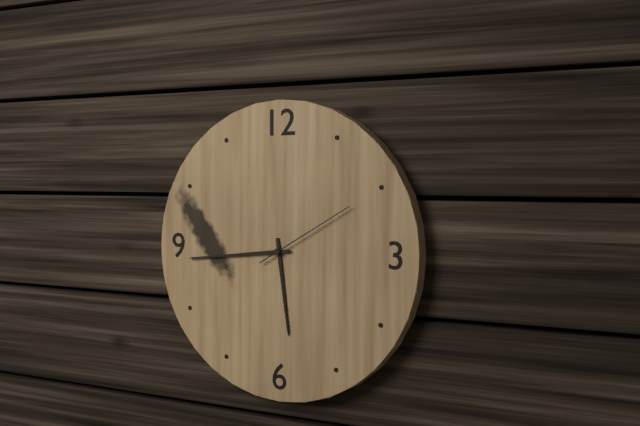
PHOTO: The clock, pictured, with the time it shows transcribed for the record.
5:44:10
